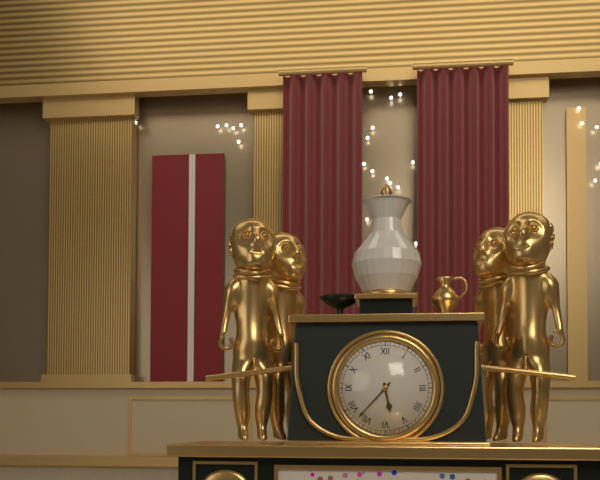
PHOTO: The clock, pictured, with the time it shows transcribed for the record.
5:37
